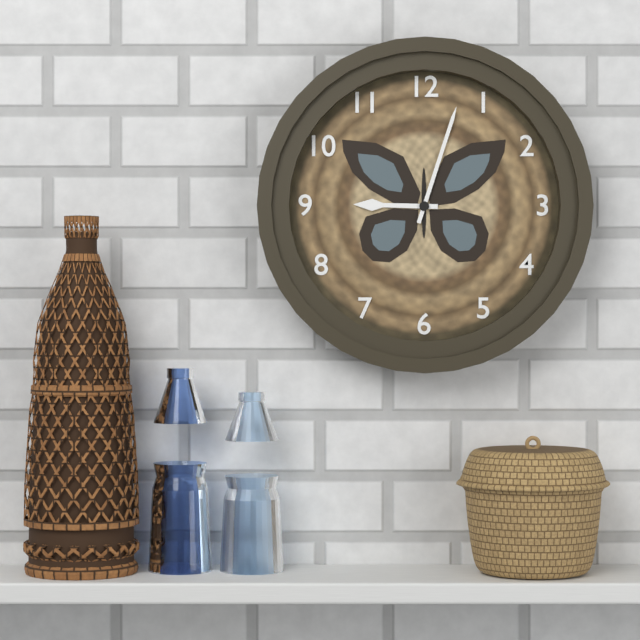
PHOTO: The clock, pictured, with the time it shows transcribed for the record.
9:03
